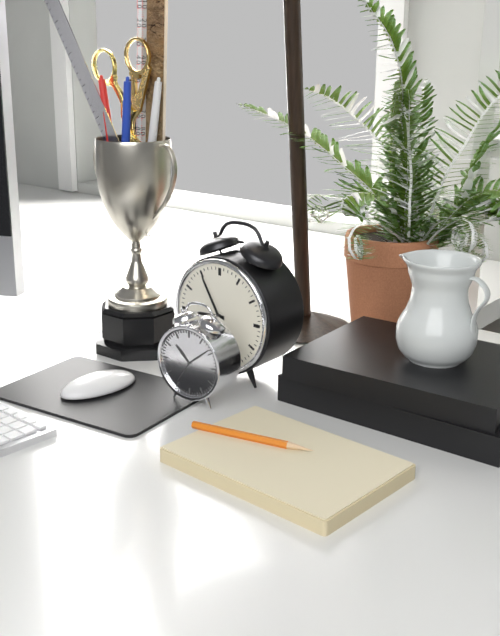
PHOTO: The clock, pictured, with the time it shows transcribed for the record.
8:55
